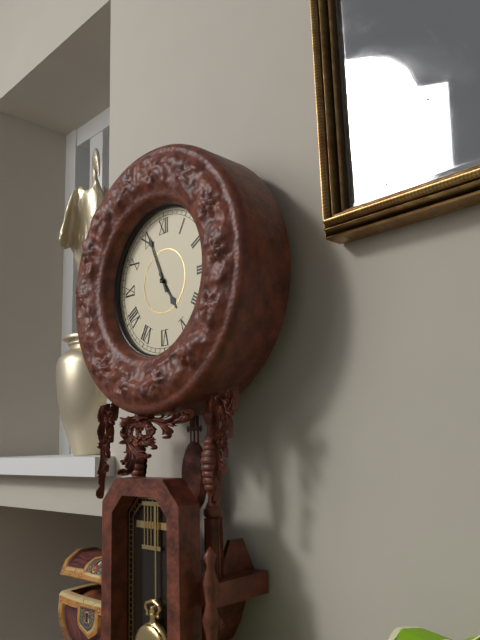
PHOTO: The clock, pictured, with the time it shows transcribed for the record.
4:56
